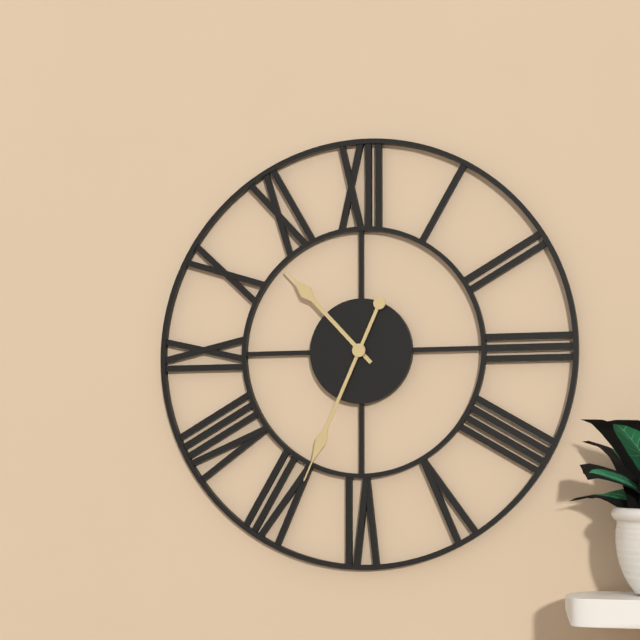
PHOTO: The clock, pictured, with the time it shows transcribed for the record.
10:34
